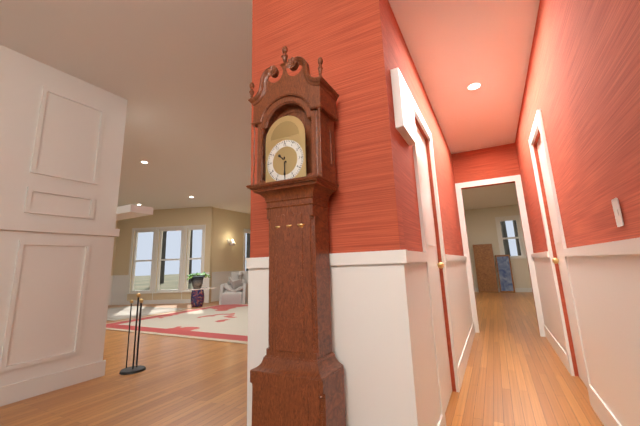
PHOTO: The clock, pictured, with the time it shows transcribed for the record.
10:30
